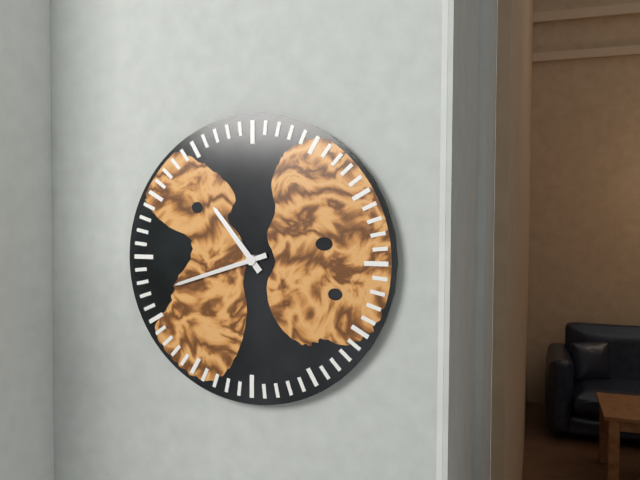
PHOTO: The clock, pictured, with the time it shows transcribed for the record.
10:42
